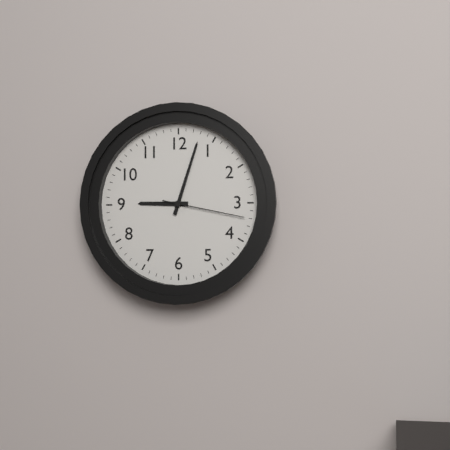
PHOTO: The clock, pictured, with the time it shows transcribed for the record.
9:03:17
